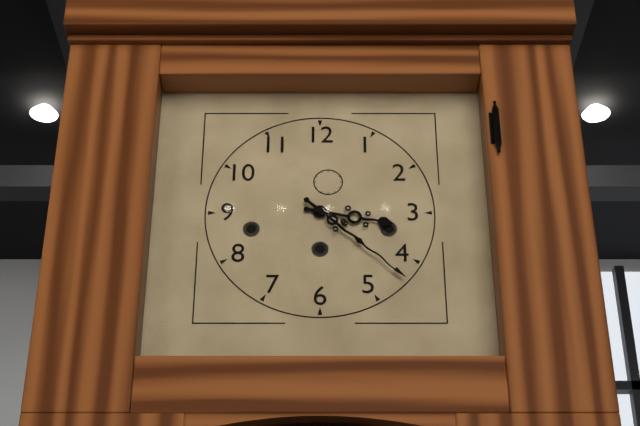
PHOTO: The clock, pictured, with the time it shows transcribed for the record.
3:22
